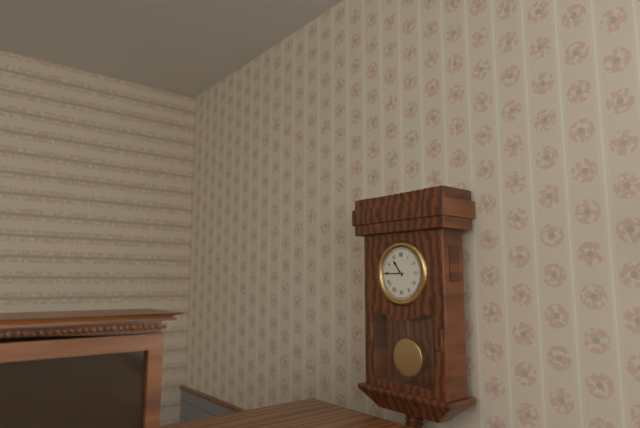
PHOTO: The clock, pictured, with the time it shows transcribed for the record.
10:45
